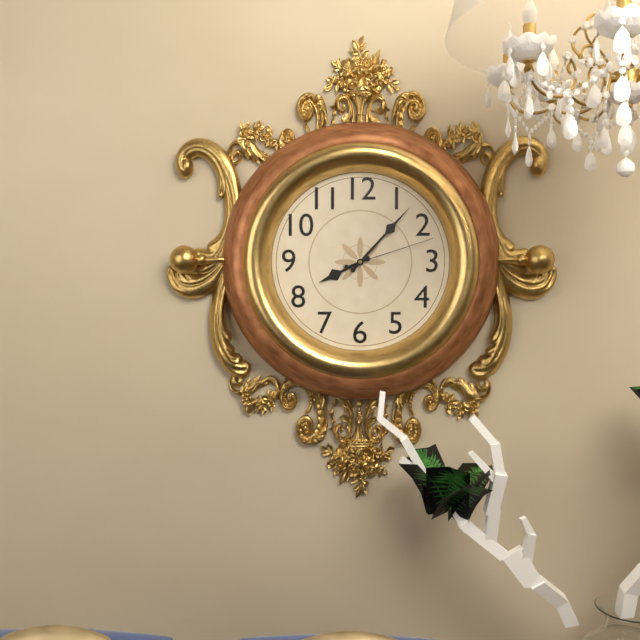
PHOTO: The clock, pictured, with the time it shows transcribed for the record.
8:07:12
